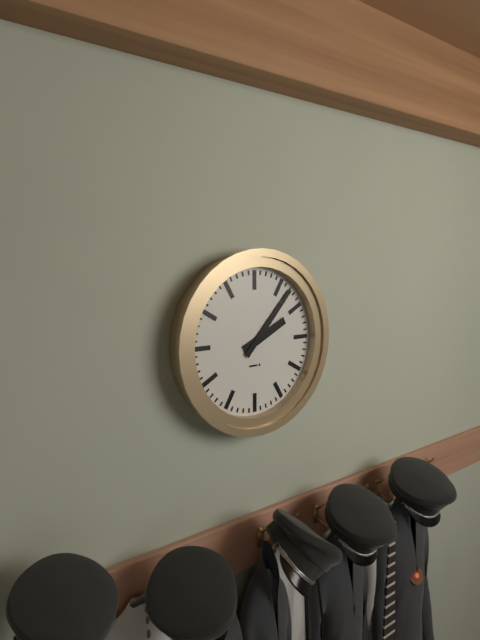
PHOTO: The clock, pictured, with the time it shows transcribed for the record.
2:07
